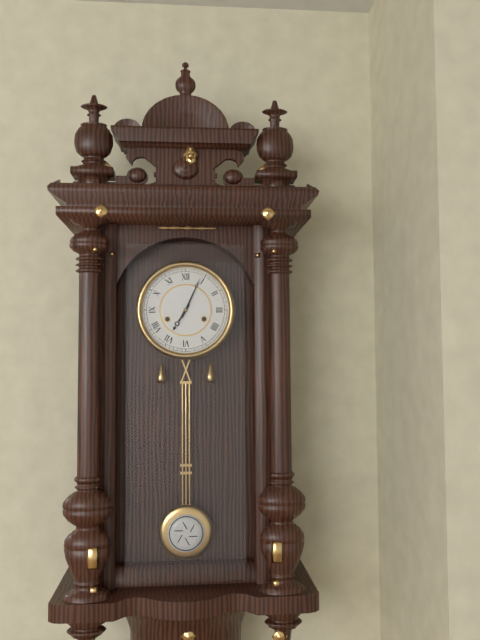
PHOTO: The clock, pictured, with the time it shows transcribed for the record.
7:04
